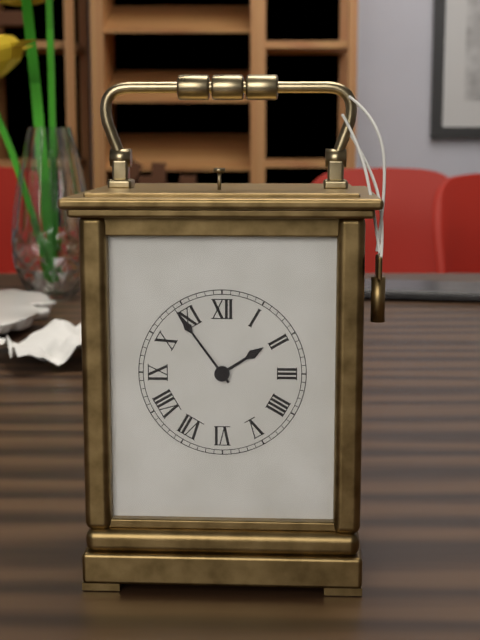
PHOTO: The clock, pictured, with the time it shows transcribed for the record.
1:54
